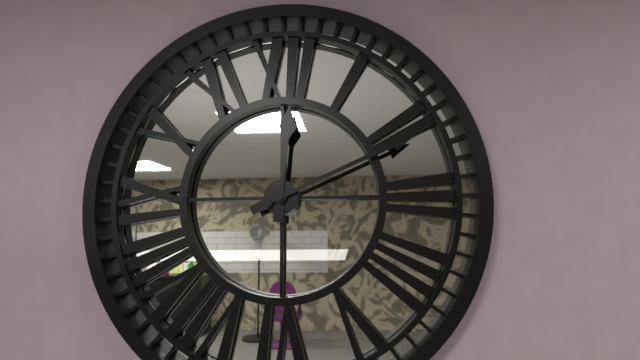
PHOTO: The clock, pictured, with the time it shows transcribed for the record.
12:11
